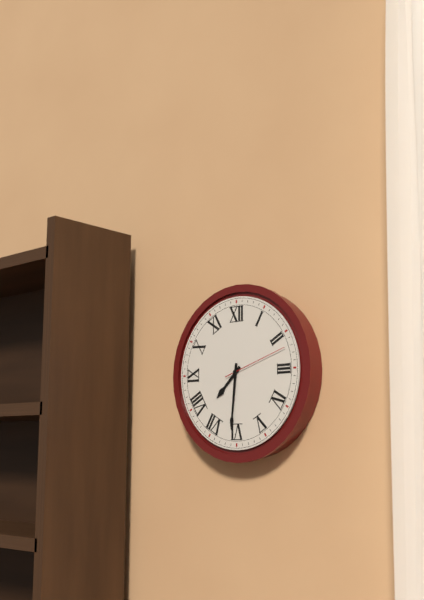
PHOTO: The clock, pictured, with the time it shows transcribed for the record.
7:31:12
